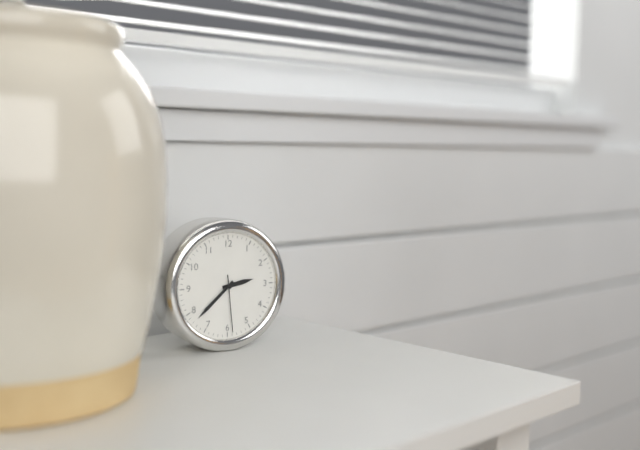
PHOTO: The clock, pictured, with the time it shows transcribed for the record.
2:38:29
